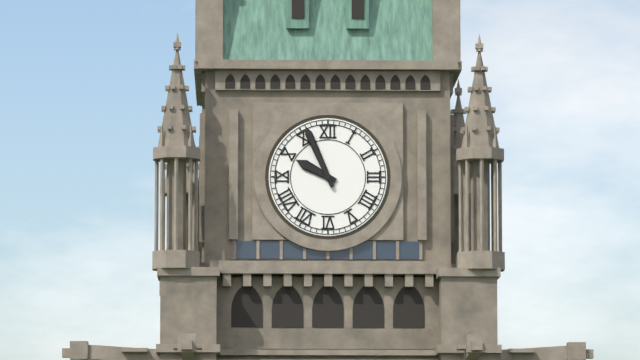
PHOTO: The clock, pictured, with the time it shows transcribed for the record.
9:56
